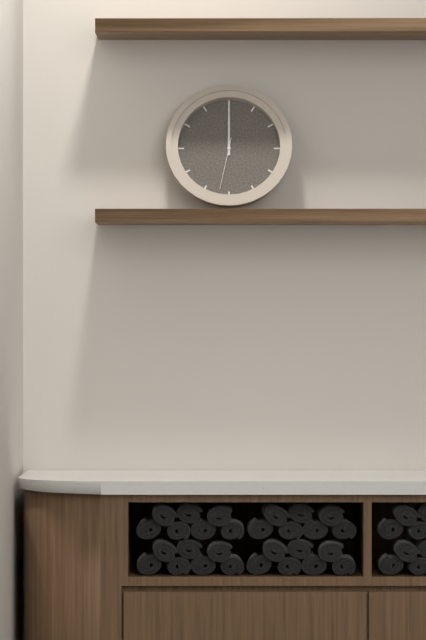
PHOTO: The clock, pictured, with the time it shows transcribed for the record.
12:00:32
